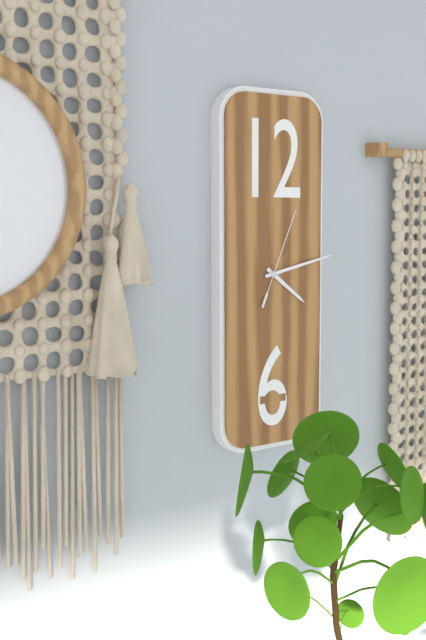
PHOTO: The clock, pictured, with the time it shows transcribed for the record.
4:13:04
